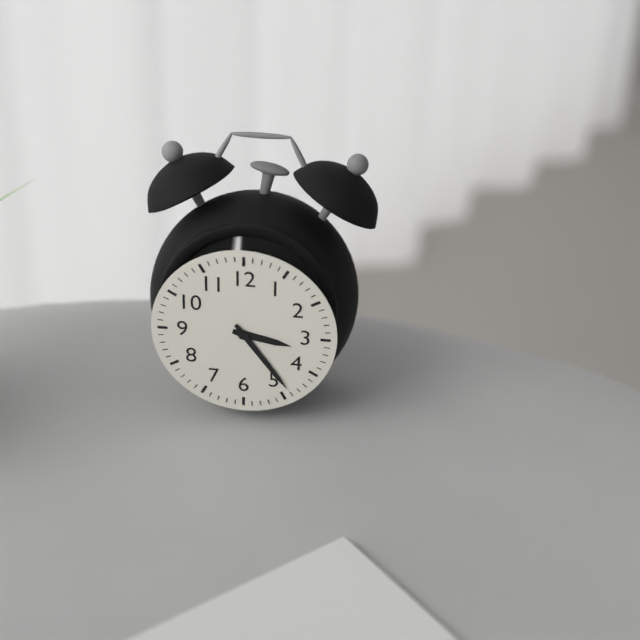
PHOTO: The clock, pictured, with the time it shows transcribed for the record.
3:24
